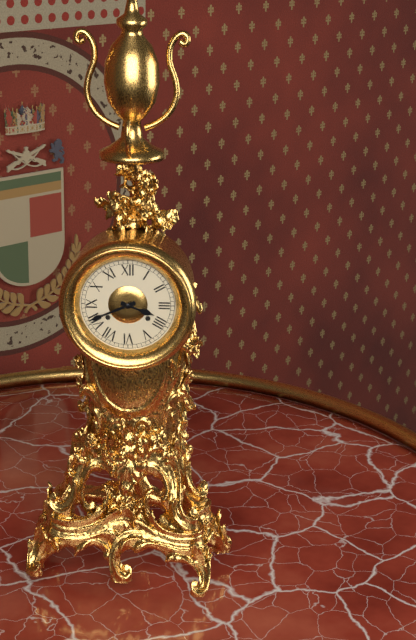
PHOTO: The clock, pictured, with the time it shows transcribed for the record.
3:41
